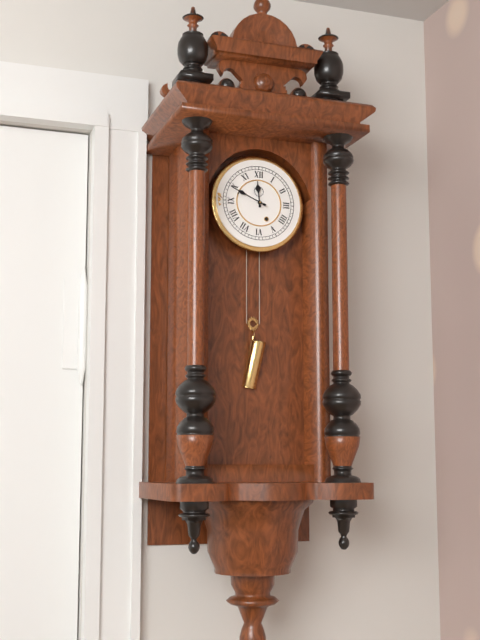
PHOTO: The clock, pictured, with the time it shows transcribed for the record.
11:49
